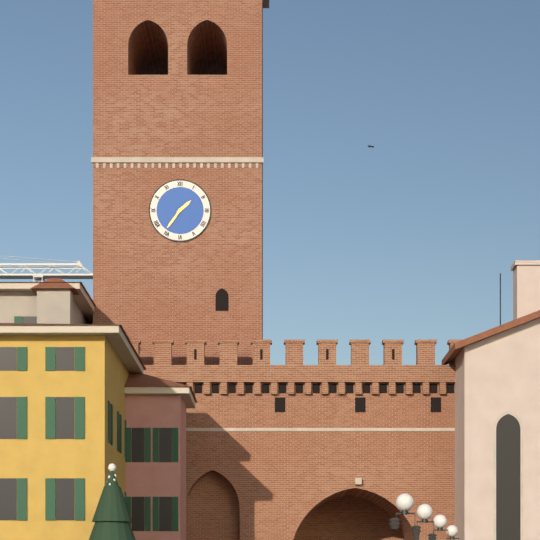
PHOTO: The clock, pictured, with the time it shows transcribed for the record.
1:36
